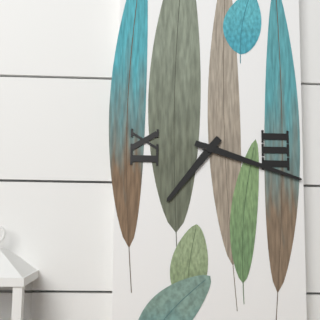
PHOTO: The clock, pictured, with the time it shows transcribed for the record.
7:18
